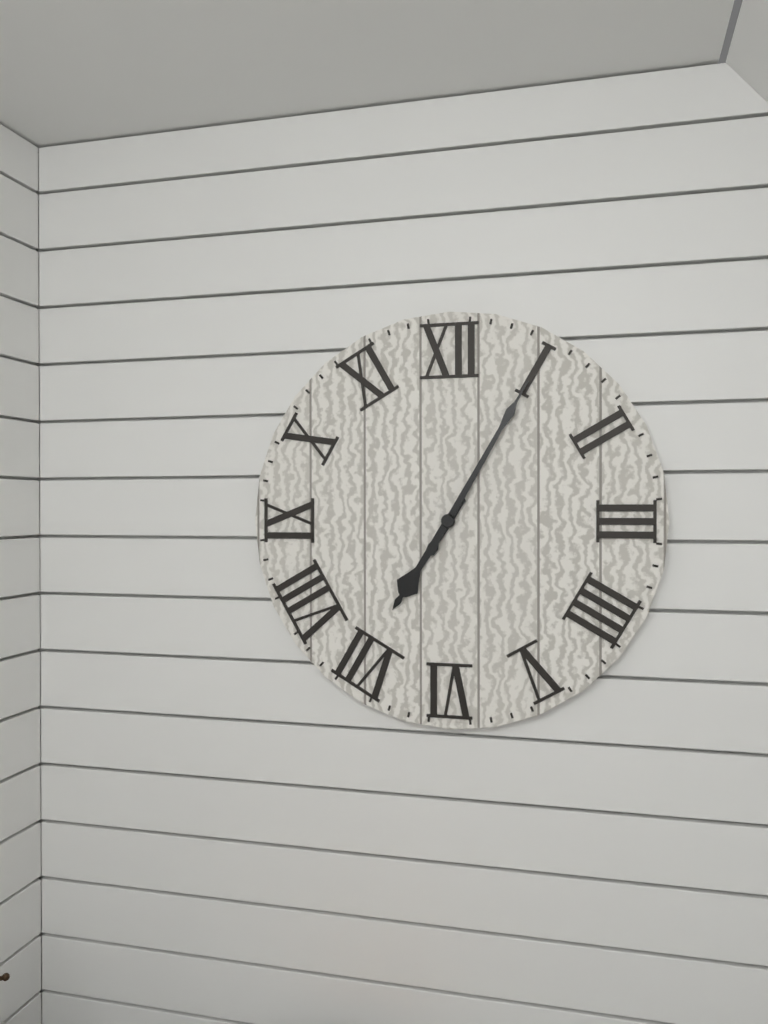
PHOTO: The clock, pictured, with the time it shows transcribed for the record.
7:05
